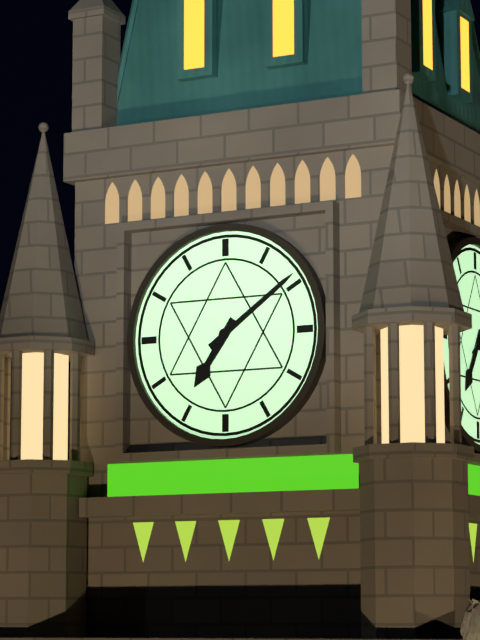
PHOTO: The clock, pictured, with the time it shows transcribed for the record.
7:09
